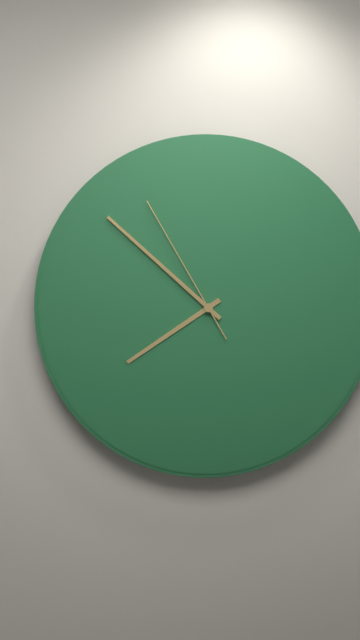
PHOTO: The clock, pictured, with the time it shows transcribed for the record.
7:52:55
